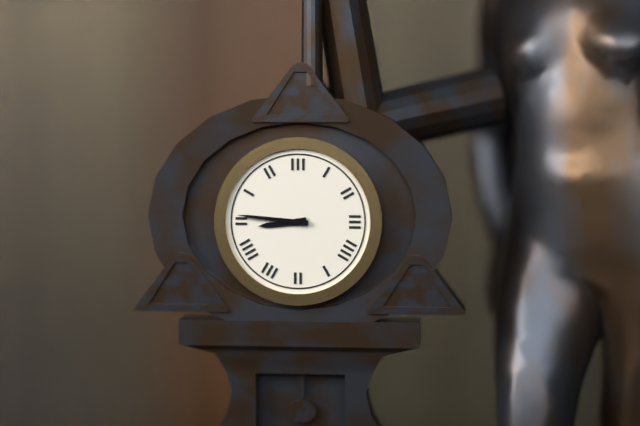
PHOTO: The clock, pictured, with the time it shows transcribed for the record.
8:46
